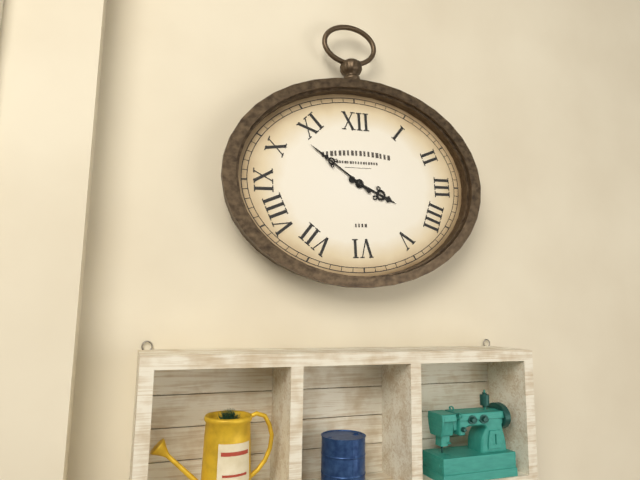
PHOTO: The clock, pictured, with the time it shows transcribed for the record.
3:51
